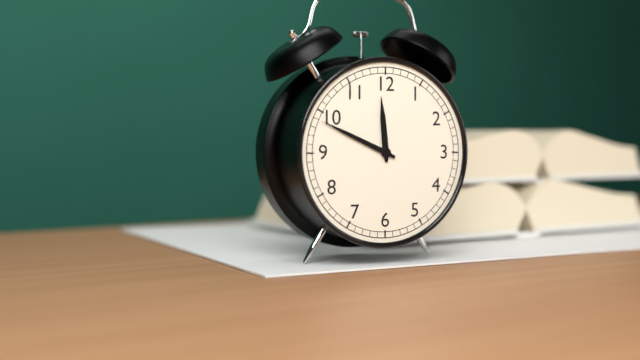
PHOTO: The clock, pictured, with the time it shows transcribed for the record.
11:49
